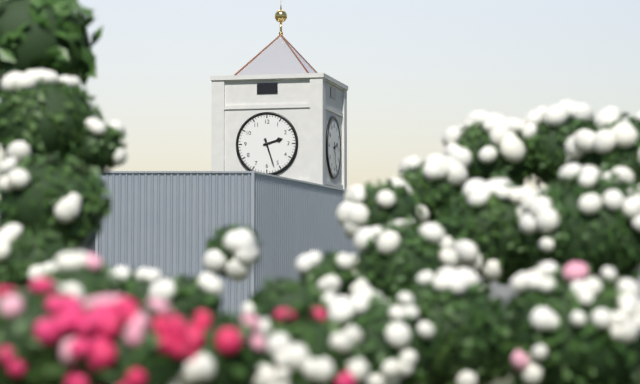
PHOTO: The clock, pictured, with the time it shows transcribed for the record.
2:27
